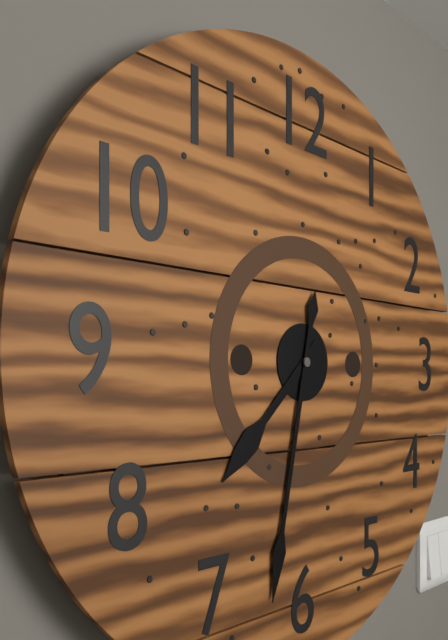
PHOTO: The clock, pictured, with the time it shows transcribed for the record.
7:32
